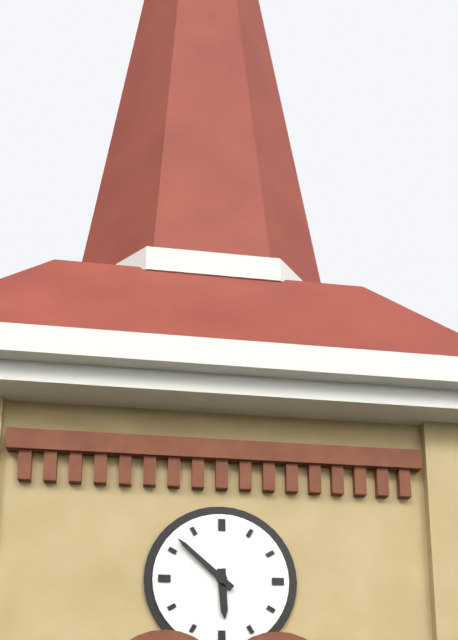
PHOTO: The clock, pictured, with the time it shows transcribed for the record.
5:52
